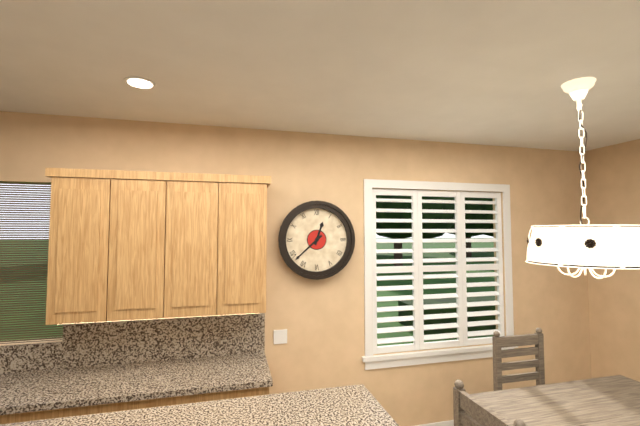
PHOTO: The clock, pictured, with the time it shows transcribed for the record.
12:38
